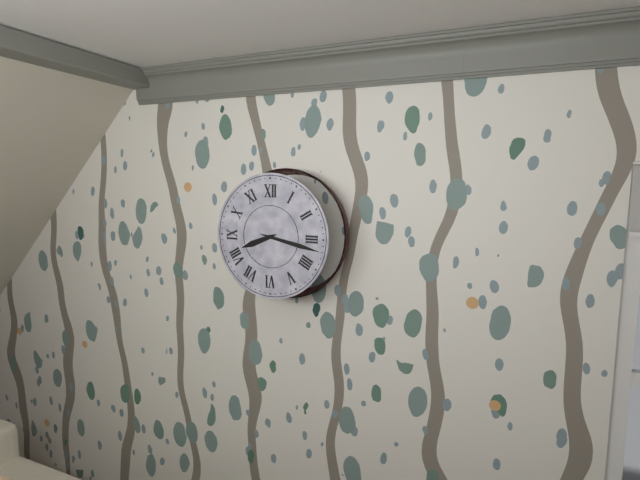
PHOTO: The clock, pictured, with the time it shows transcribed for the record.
8:17
